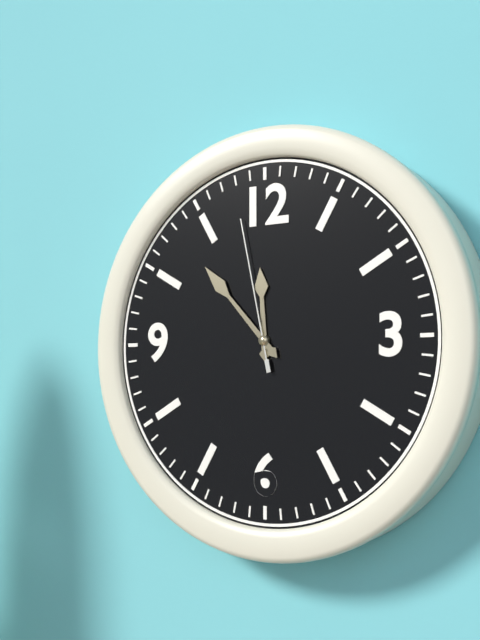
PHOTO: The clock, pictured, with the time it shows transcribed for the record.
11:53:58
